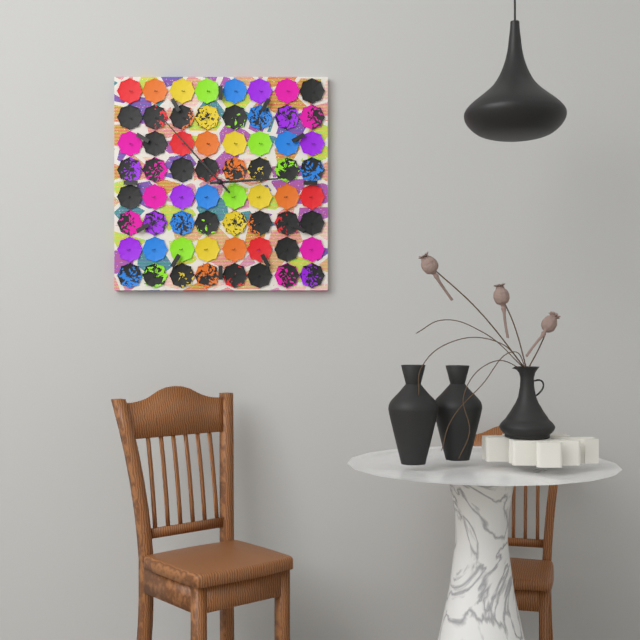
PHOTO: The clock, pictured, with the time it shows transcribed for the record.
2:53
